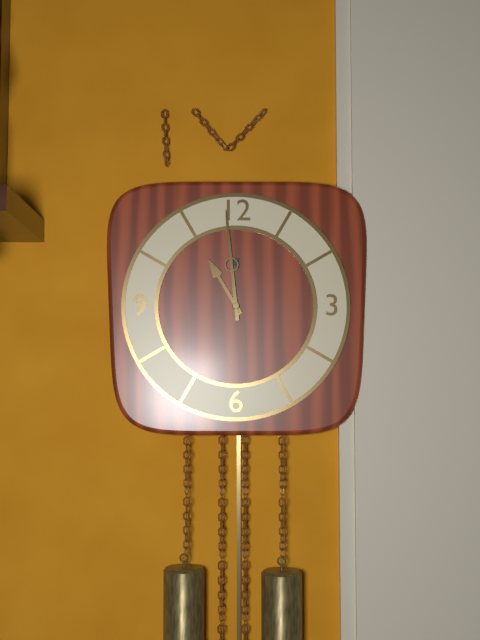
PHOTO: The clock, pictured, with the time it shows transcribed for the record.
10:59
